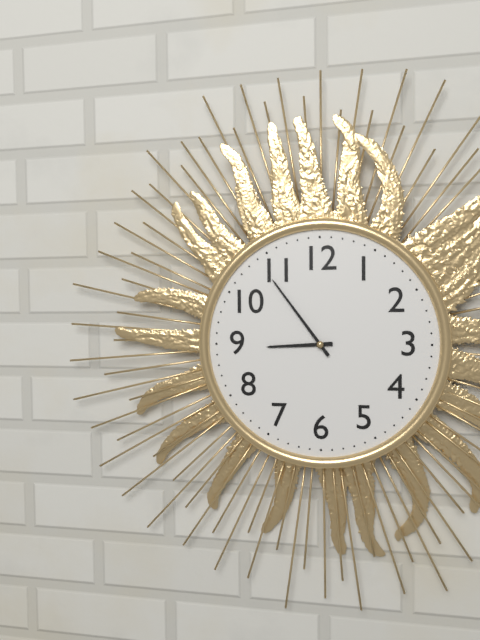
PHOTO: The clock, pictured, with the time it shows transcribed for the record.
8:54
